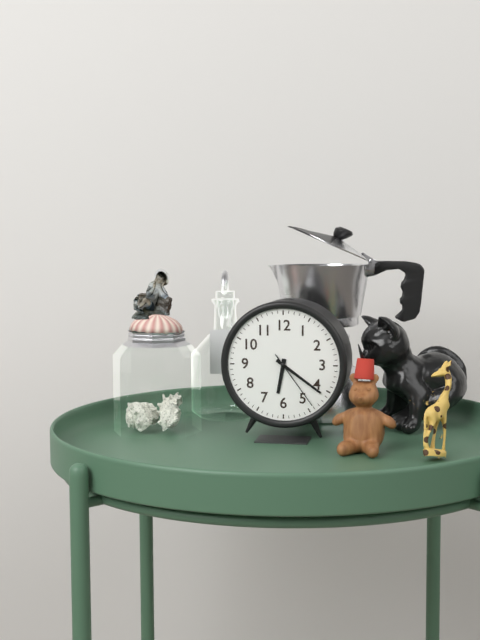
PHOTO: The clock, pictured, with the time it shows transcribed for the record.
6:21:24
